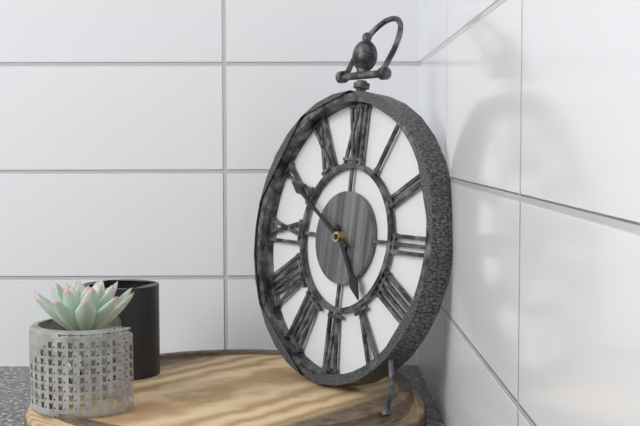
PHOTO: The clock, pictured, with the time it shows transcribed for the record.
4:50
